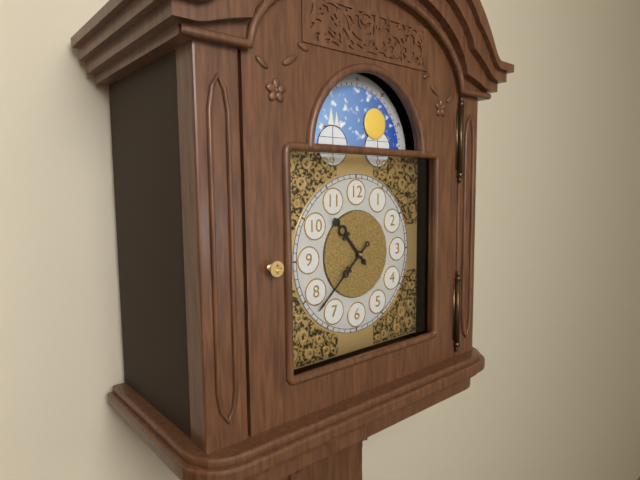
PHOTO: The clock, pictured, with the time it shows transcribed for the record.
10:38
